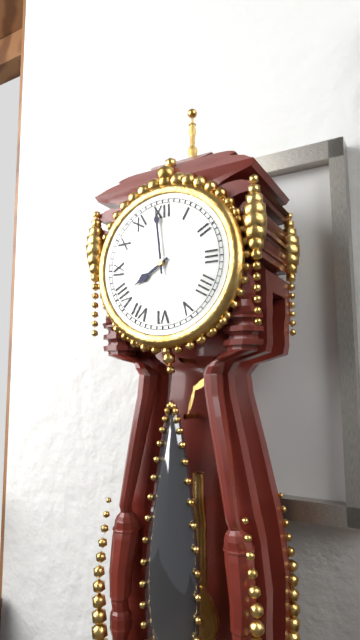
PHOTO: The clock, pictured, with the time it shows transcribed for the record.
7:59
